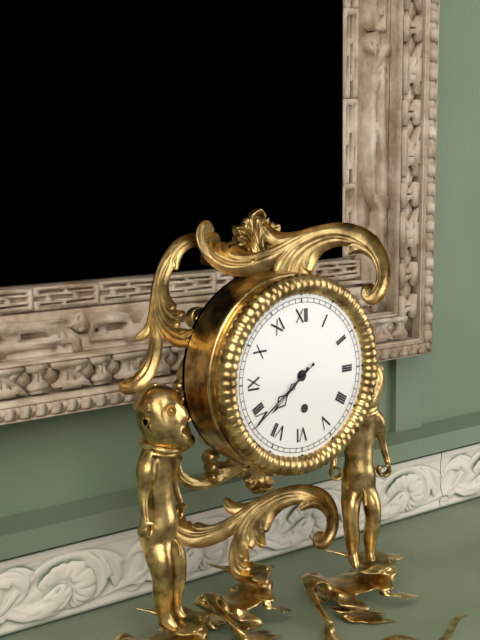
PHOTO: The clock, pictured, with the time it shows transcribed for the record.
7:39
